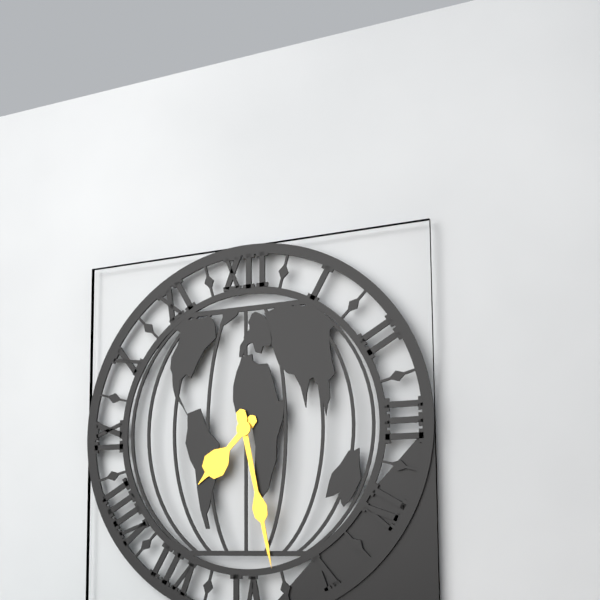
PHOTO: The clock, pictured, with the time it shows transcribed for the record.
7:28
